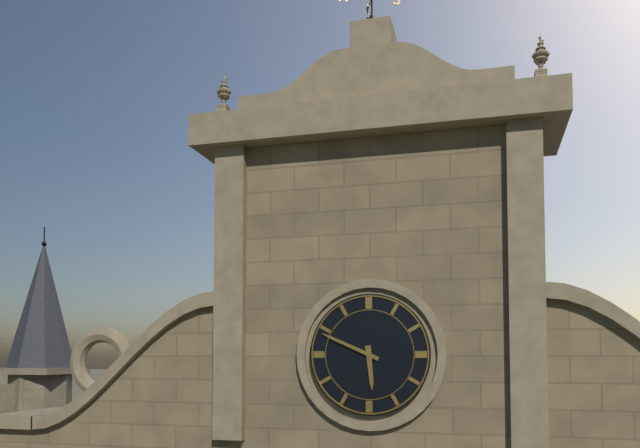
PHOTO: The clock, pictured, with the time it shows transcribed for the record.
5:49
